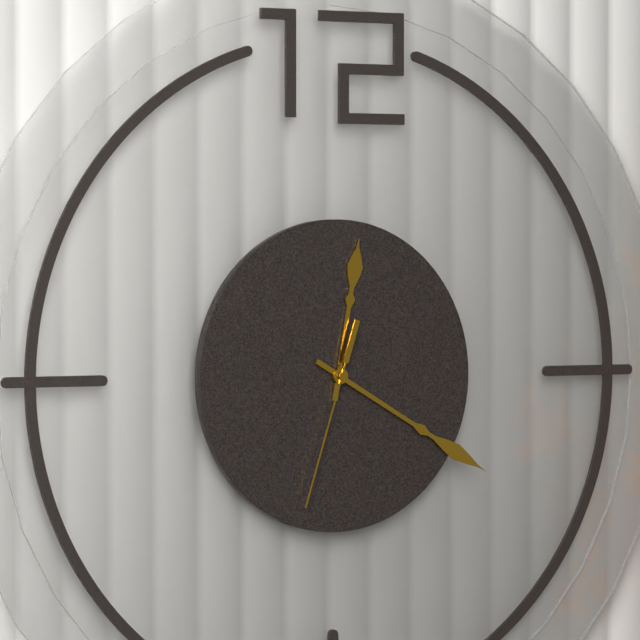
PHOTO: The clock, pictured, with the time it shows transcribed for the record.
12:20:33
